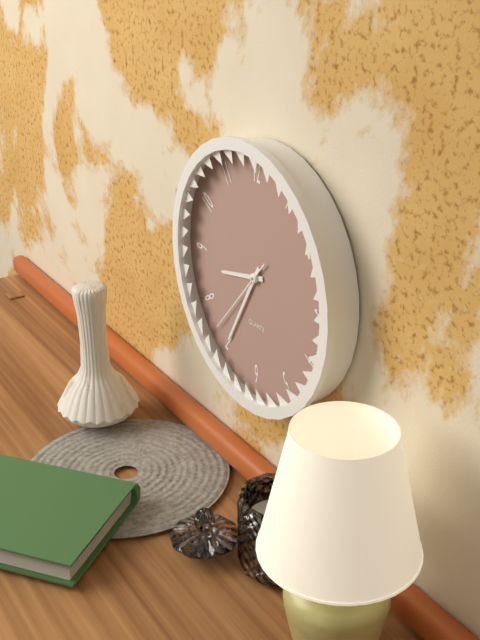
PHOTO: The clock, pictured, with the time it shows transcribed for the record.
8:35:37
